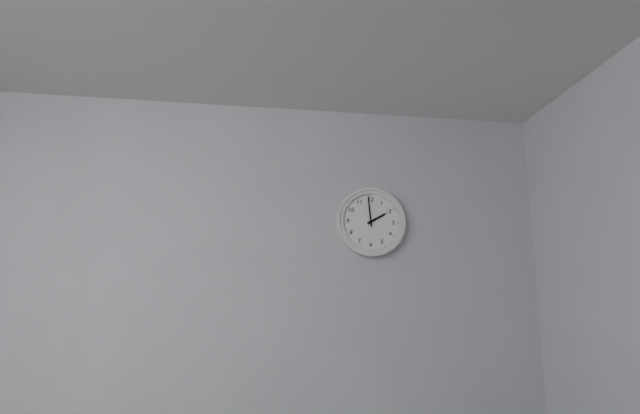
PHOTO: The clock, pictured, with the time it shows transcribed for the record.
1:59
